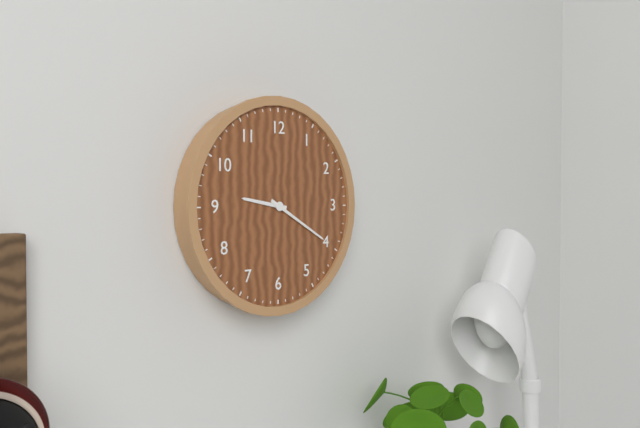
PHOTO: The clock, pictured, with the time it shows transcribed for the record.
9:20
